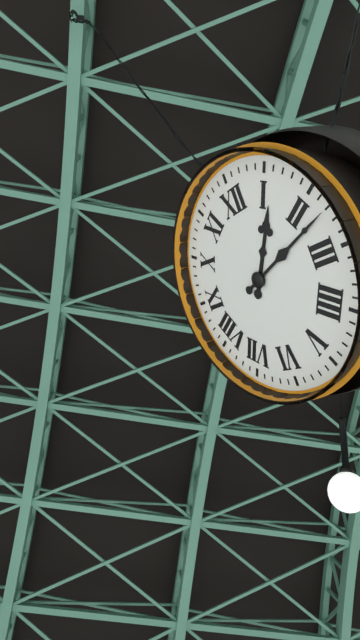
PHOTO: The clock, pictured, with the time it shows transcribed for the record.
1:12
